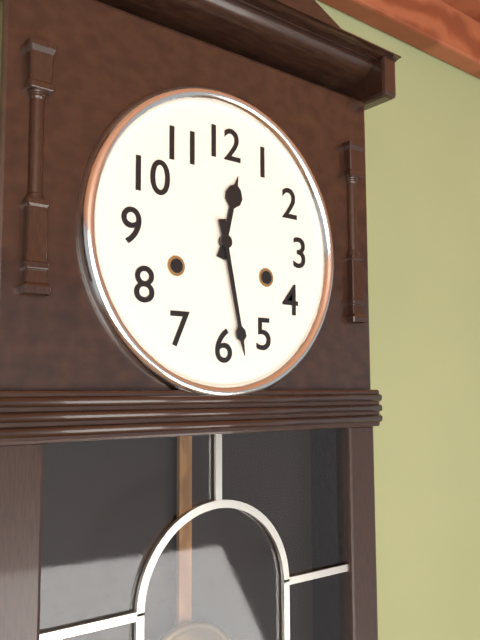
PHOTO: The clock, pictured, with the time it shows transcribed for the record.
12:28
